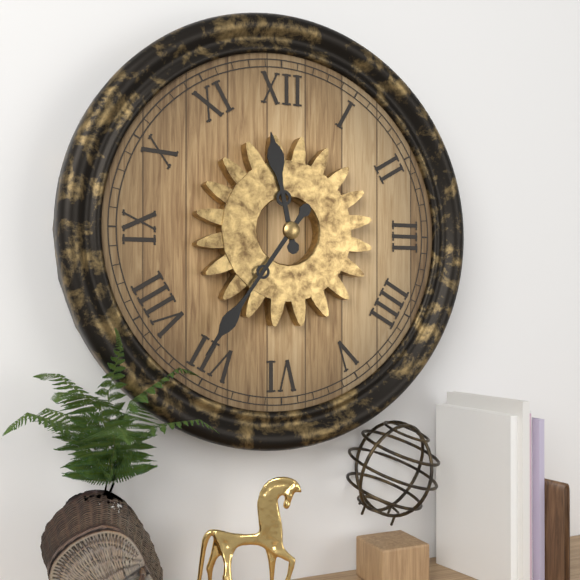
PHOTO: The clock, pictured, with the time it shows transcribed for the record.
11:36
